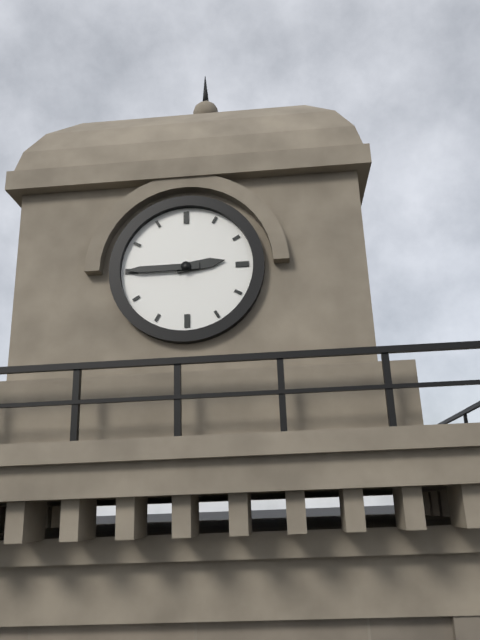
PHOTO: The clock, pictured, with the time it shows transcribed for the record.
2:45
